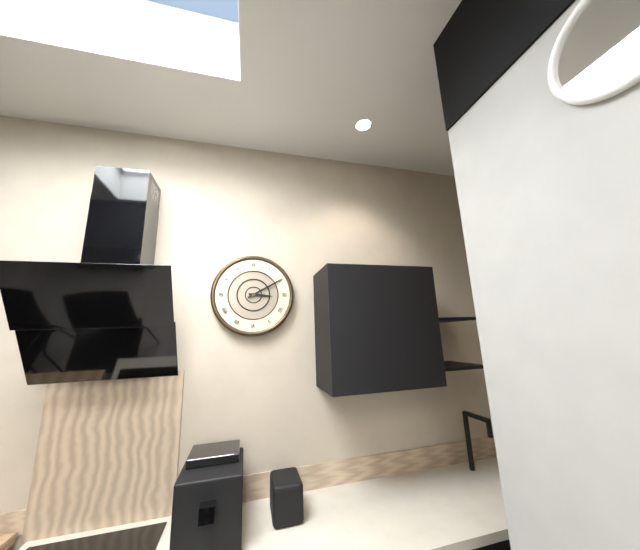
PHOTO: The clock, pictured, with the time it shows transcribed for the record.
3:10
